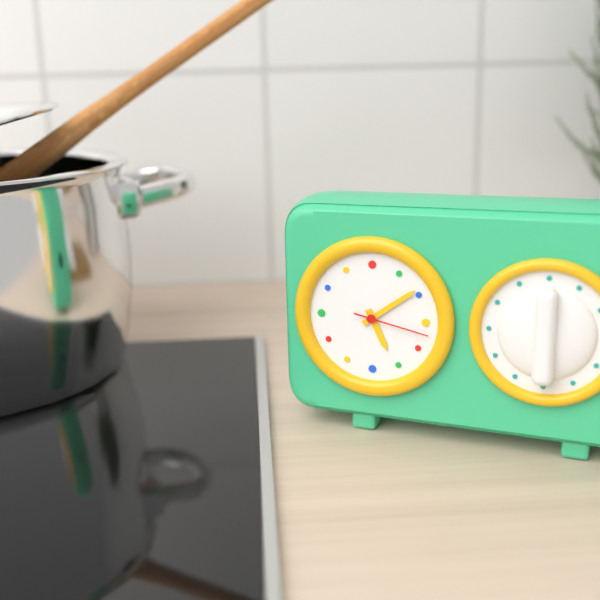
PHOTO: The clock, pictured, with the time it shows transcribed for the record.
5:09:17
